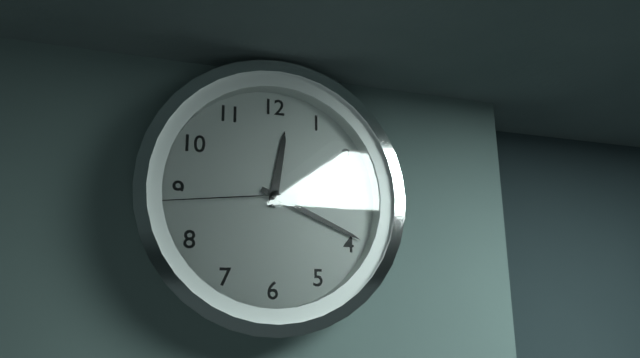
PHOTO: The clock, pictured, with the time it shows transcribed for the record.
12:19:44
